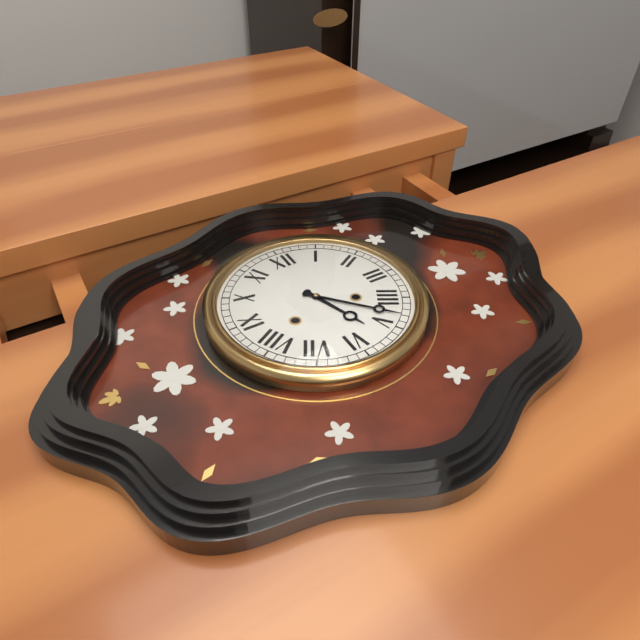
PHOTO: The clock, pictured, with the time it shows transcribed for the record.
5:23
